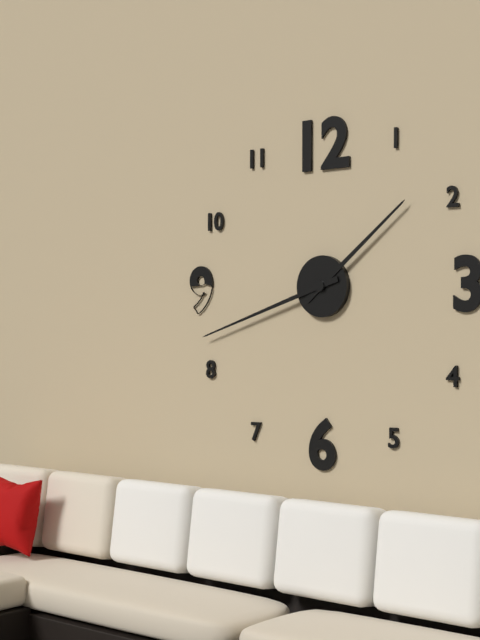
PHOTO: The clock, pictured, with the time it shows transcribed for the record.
1:42
